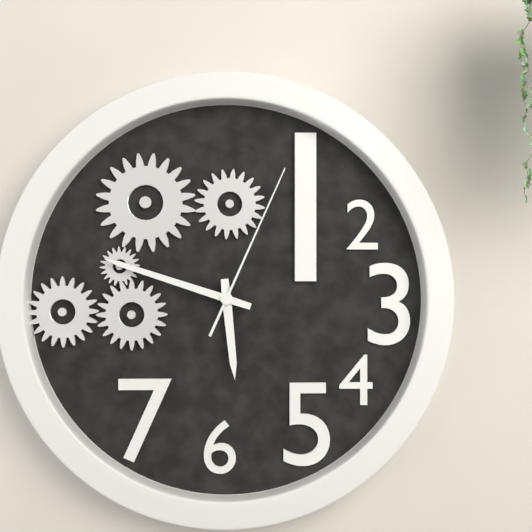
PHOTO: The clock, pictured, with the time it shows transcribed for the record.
5:48:04
